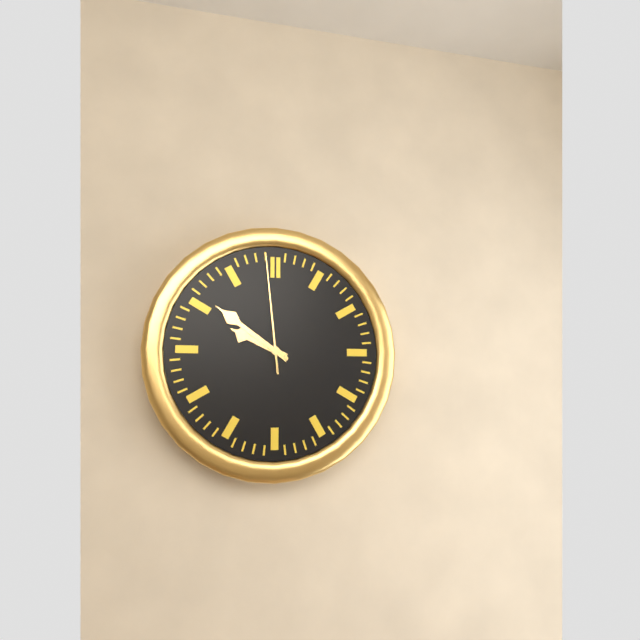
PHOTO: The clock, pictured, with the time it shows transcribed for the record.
9:51:59
